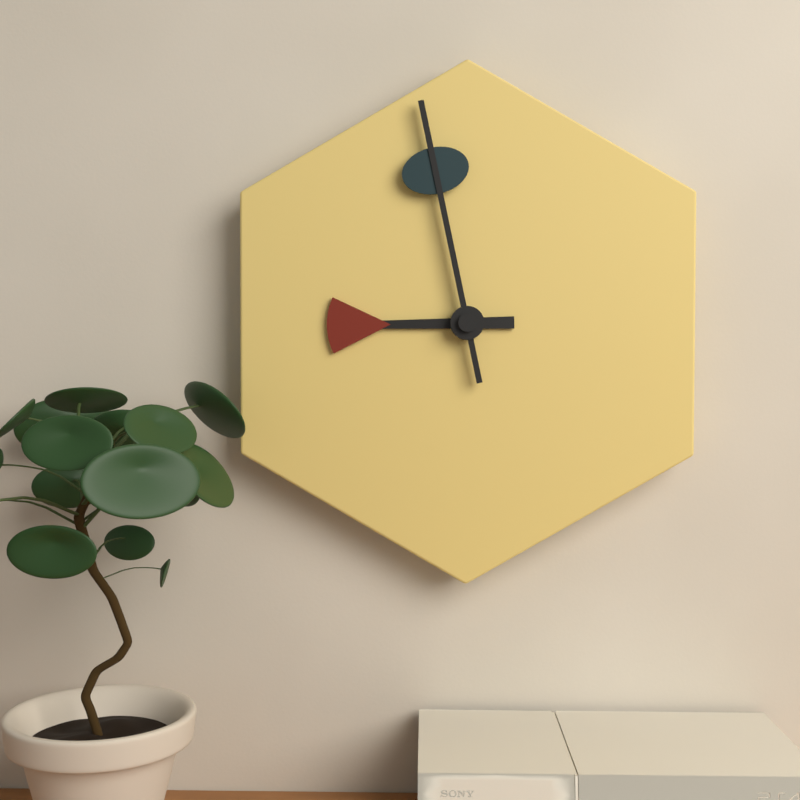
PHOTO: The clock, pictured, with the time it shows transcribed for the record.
8:58
